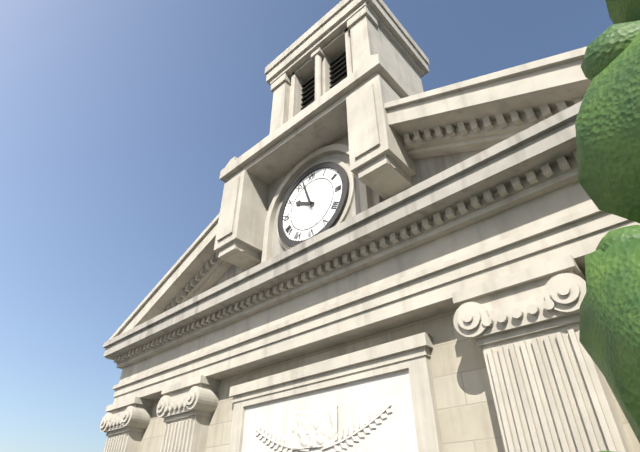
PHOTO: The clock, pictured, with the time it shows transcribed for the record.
9:57
